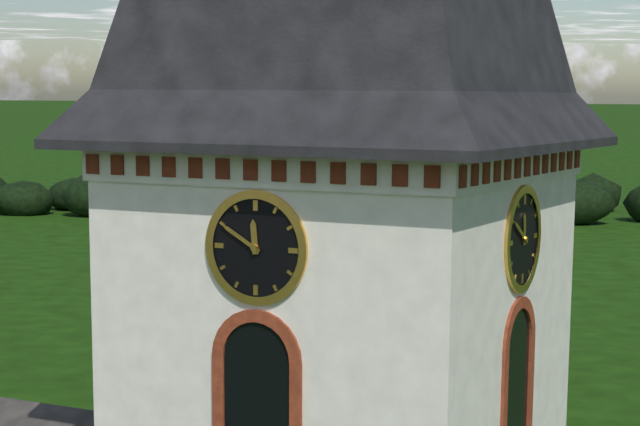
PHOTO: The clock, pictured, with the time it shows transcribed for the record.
11:50
